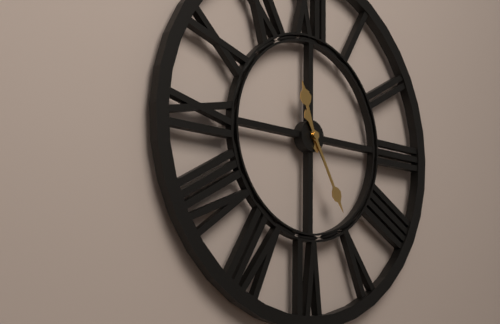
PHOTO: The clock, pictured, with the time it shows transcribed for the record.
11:25
